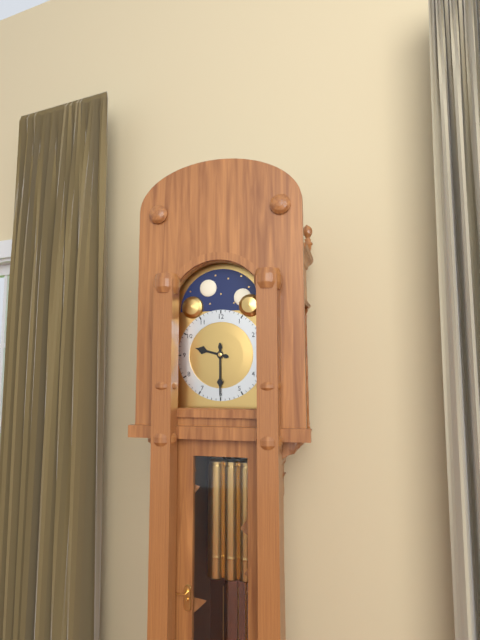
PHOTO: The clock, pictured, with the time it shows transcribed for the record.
9:30
